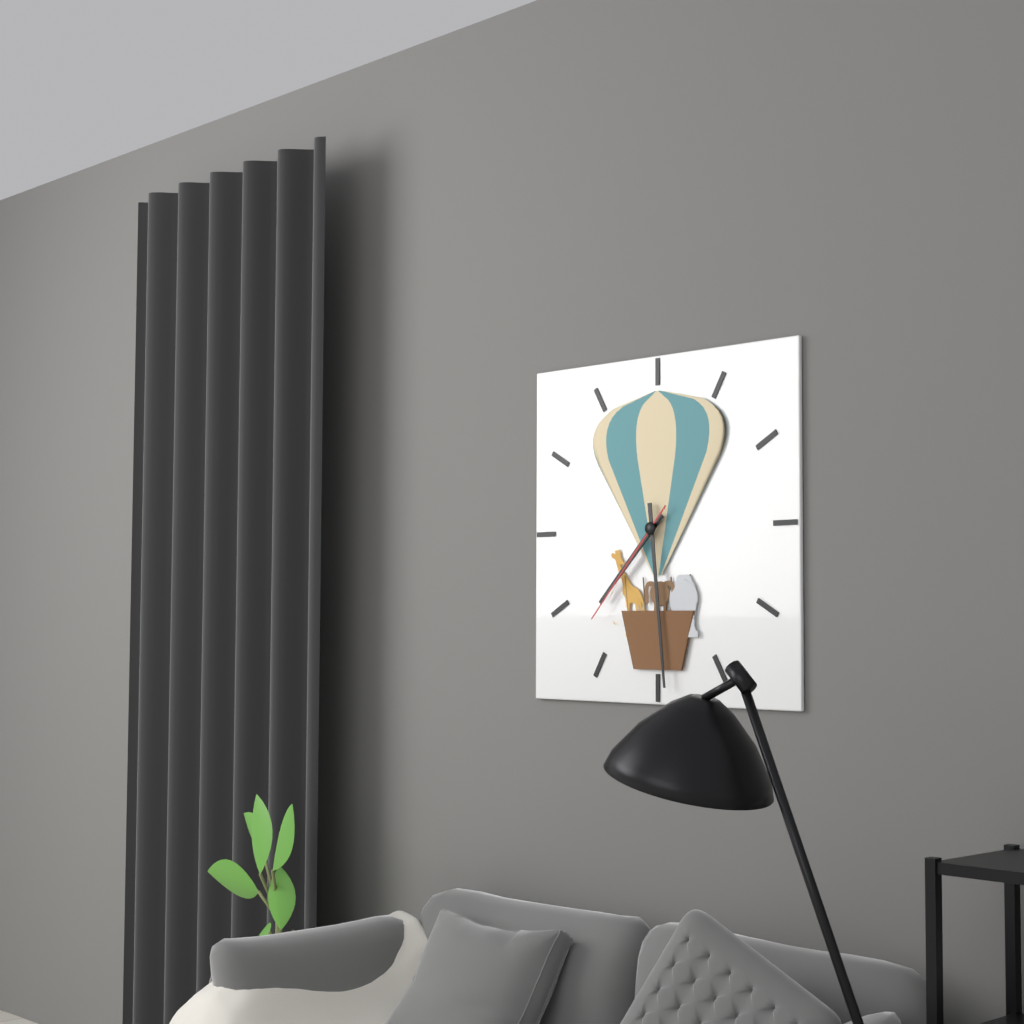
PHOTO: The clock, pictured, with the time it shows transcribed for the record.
7:29:37
